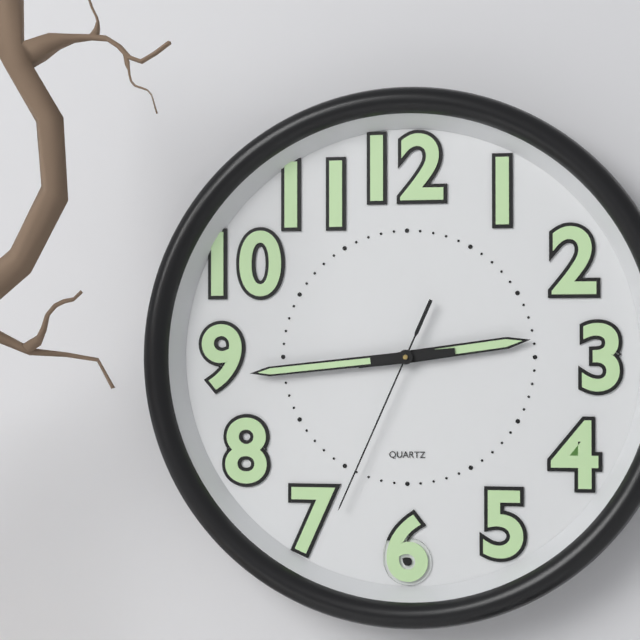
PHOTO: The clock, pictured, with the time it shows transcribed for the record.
2:44:34
